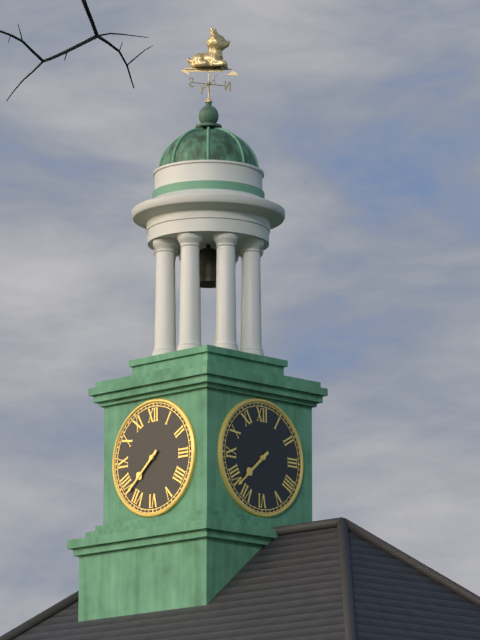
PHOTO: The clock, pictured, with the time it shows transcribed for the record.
7:38
